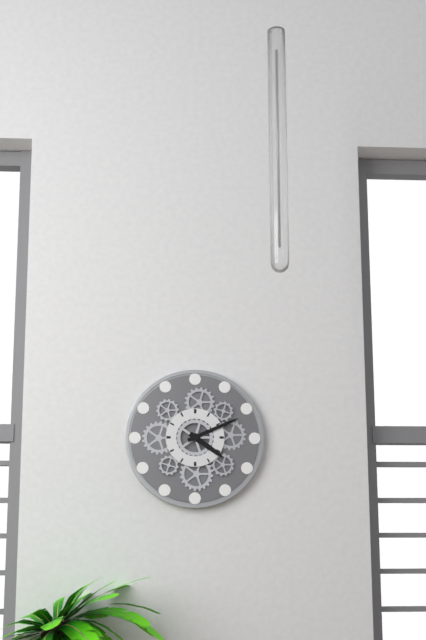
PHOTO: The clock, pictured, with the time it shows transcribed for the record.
4:11
